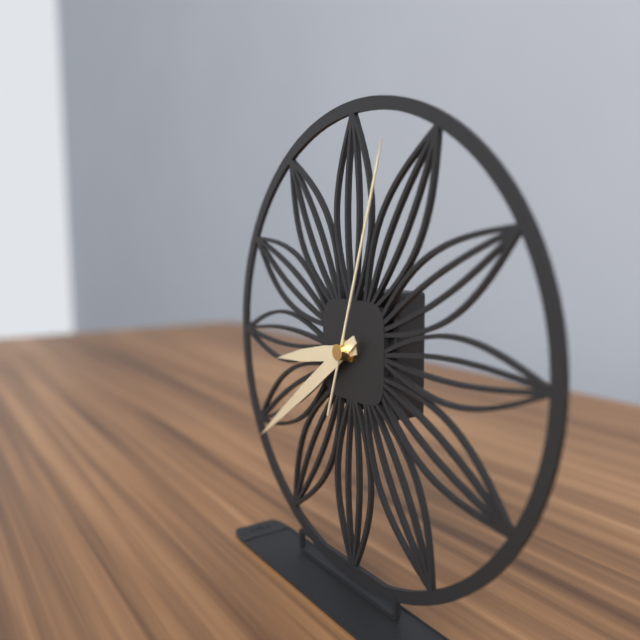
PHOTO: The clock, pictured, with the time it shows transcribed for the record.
8:39:03
